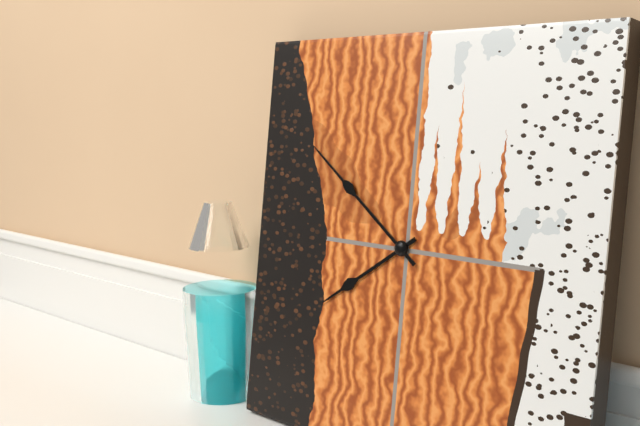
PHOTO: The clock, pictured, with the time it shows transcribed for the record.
7:51
